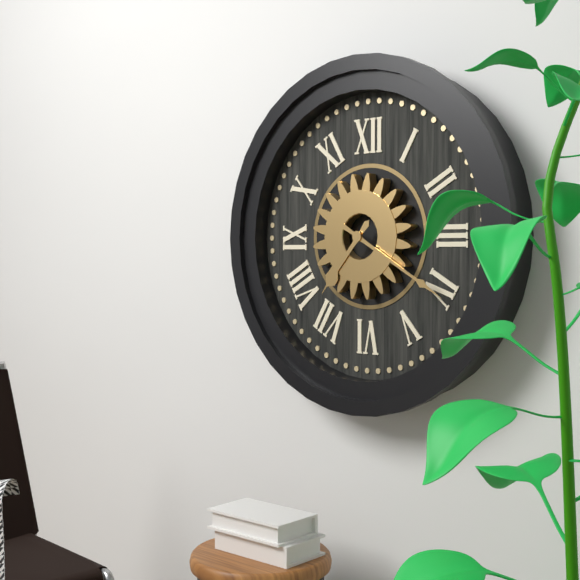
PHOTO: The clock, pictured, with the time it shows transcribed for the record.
7:20
